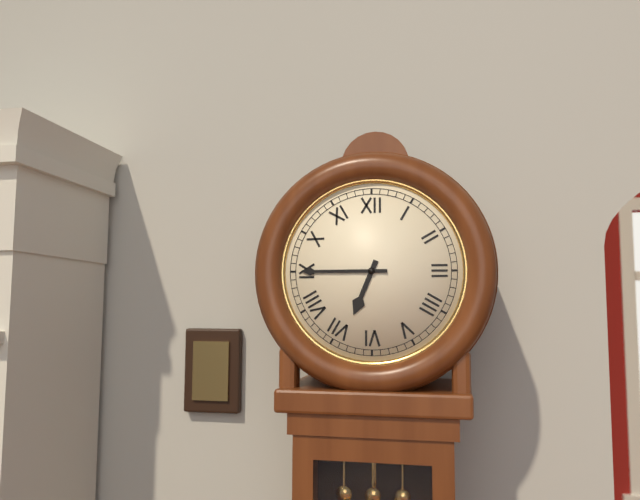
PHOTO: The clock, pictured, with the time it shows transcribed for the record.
6:45
